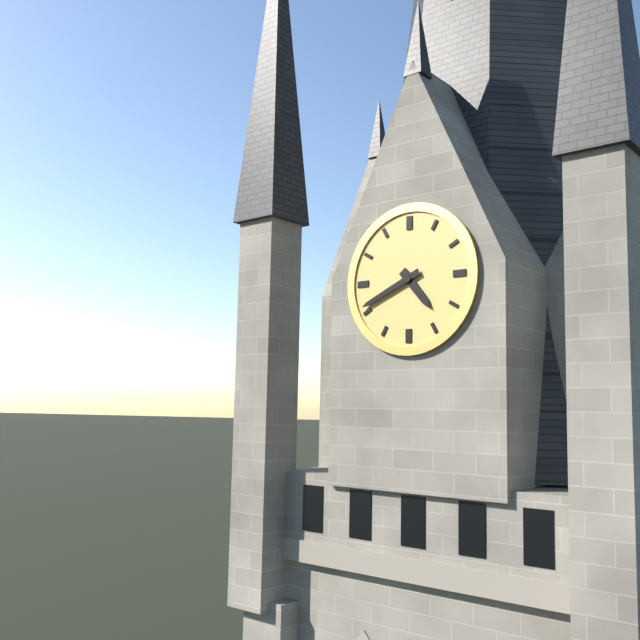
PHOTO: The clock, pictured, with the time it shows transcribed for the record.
4:41
